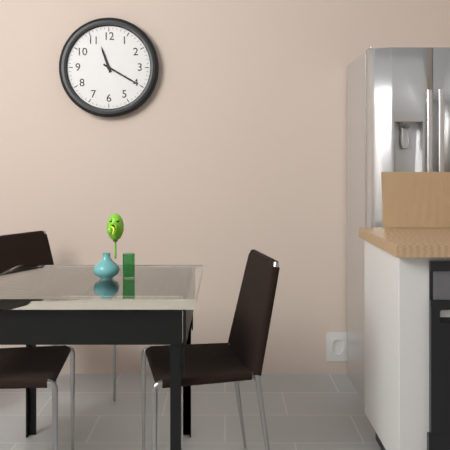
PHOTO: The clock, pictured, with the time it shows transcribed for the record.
11:20
